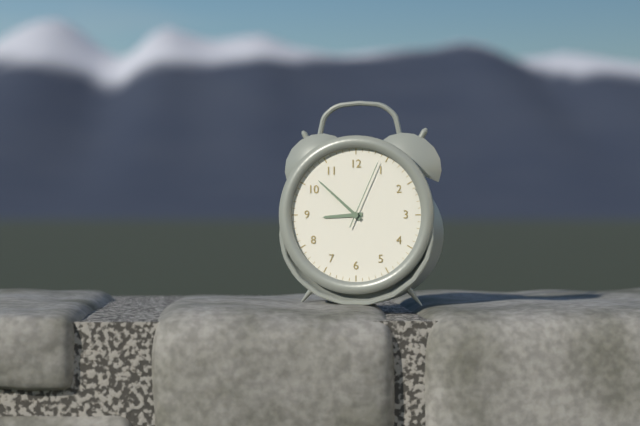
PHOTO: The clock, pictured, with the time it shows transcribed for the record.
8:52:04
